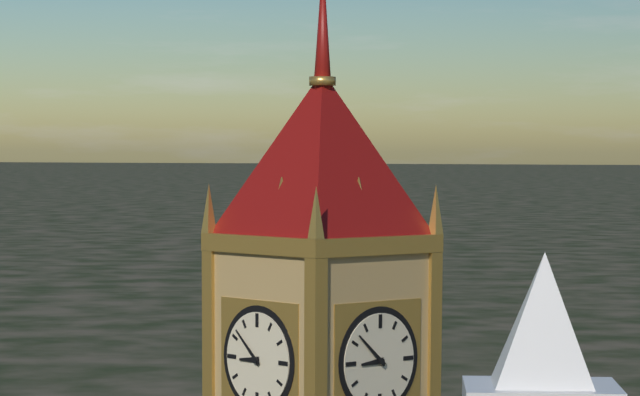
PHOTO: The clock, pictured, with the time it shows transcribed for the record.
8:52
